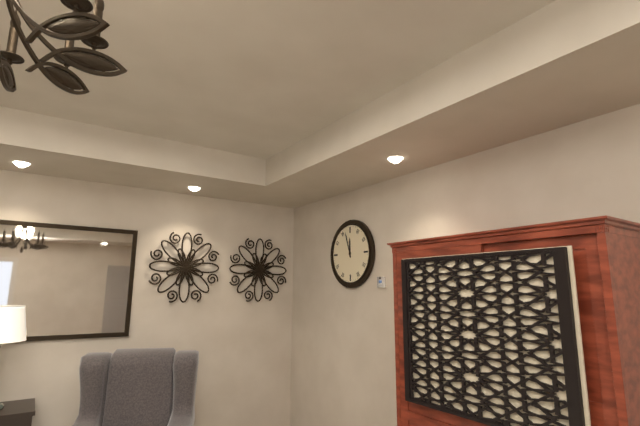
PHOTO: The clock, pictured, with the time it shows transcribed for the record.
11:57
